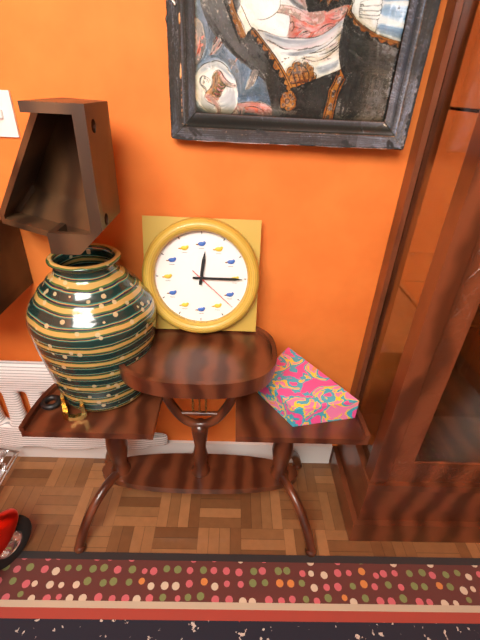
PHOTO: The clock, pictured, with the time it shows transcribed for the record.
12:15:22
